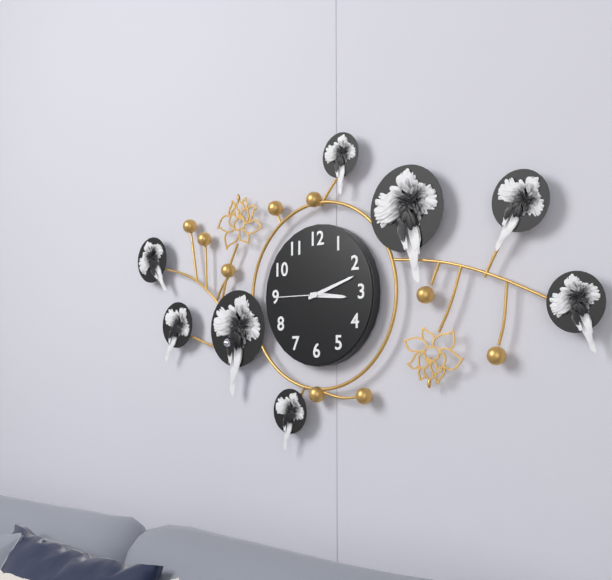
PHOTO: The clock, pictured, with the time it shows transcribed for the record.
3:12:45
